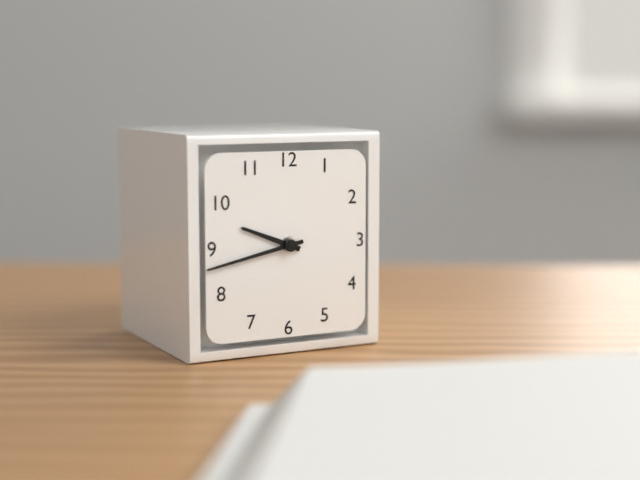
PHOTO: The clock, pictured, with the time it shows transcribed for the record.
9:43
